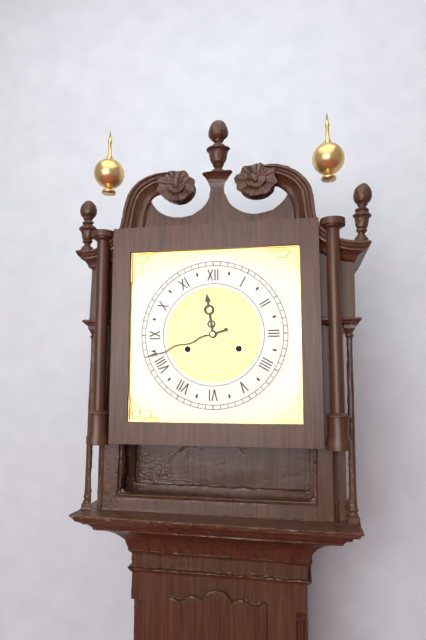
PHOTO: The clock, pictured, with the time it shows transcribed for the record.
11:42
